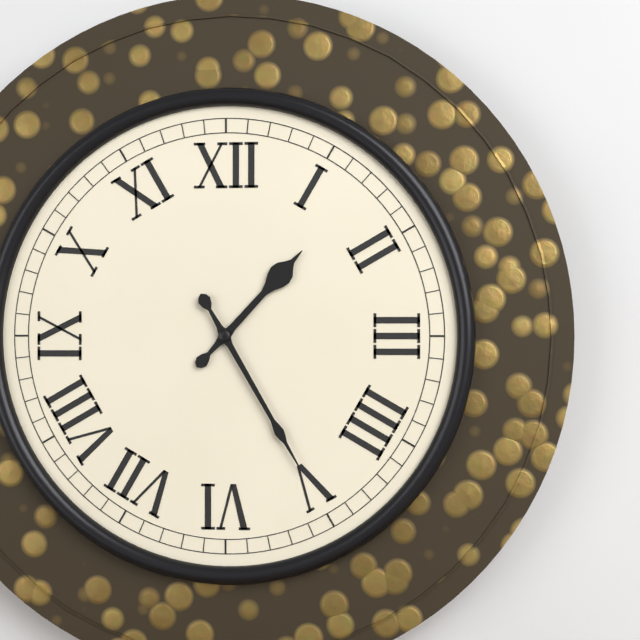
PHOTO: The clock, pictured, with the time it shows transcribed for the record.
1:25
